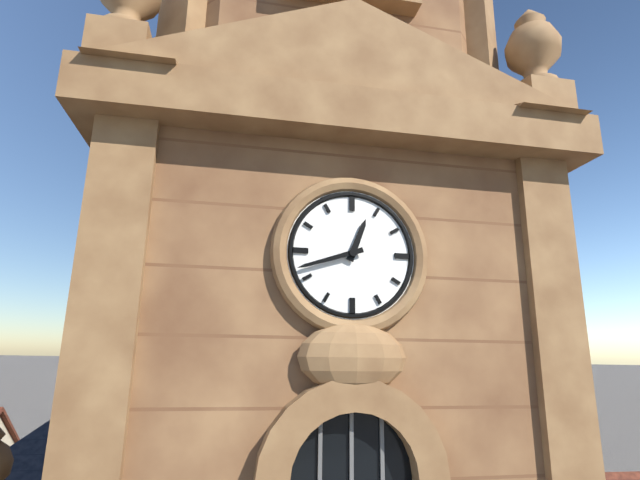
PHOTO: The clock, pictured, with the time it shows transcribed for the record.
12:42
